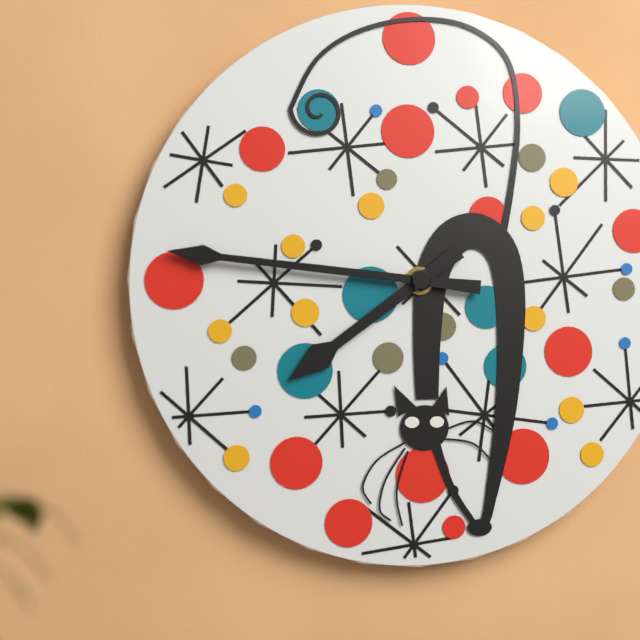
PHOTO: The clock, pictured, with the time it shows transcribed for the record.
7:46
